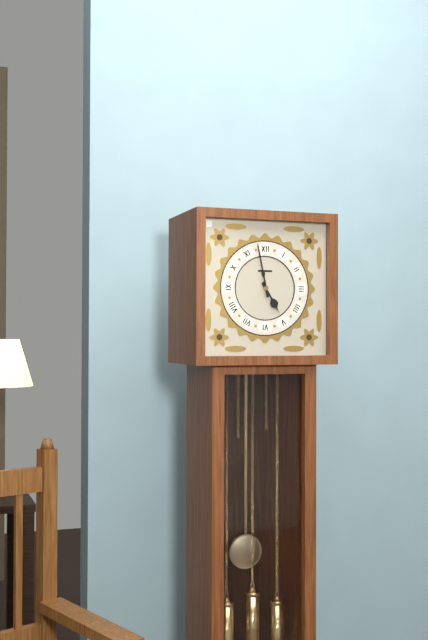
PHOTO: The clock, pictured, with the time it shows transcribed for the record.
4:58
